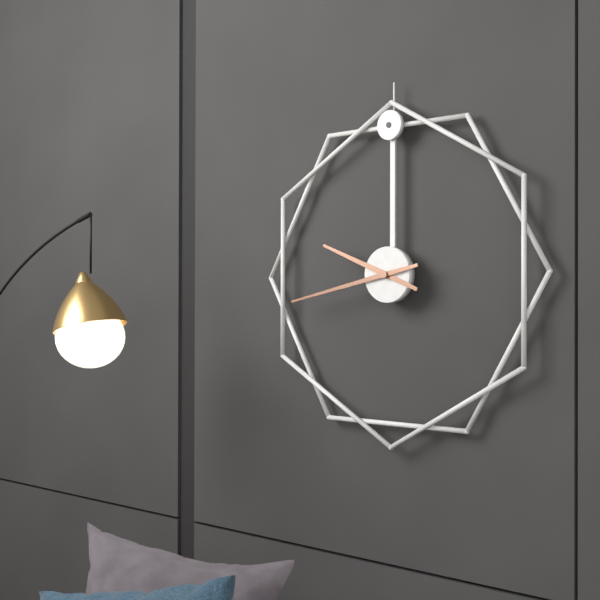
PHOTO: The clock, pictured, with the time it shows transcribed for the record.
9:43
